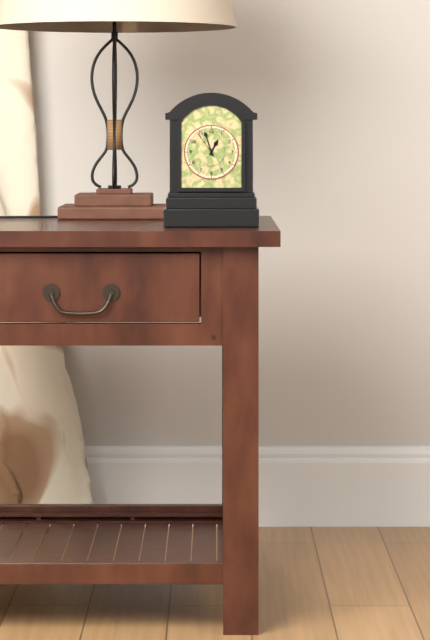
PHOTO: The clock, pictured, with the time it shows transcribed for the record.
12:57
